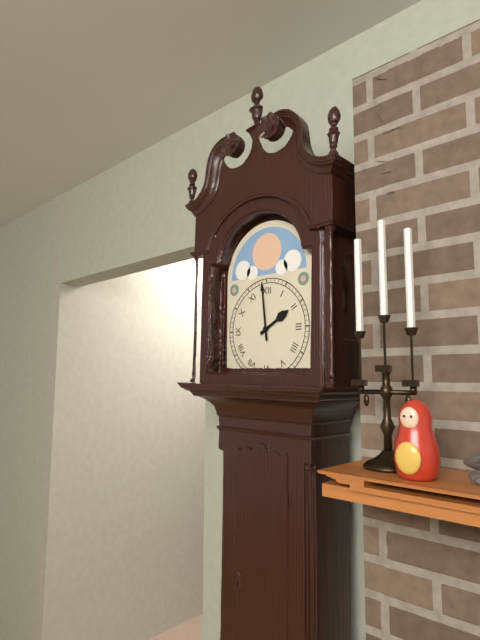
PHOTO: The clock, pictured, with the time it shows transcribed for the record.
1:59
